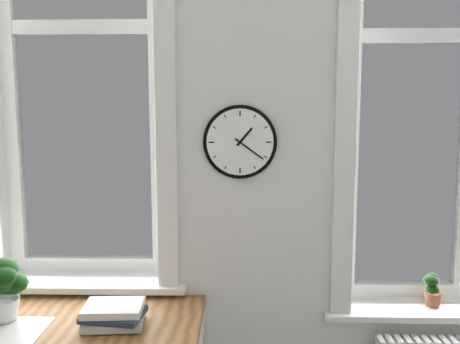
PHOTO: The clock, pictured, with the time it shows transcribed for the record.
1:21
